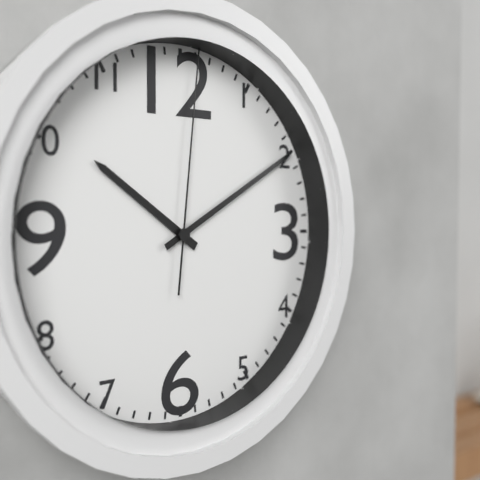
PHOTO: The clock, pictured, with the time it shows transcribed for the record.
10:10:01
